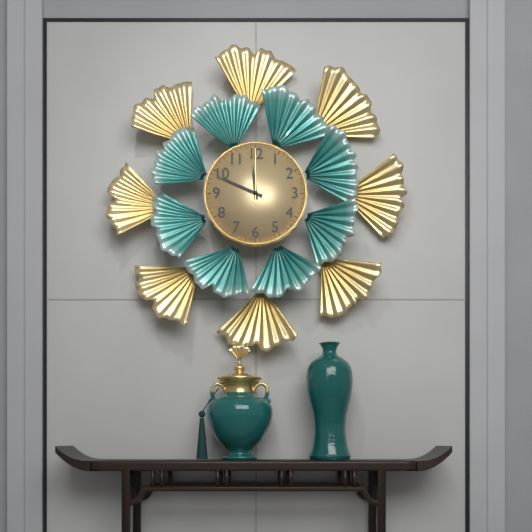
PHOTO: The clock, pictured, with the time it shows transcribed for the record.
11:49:00
